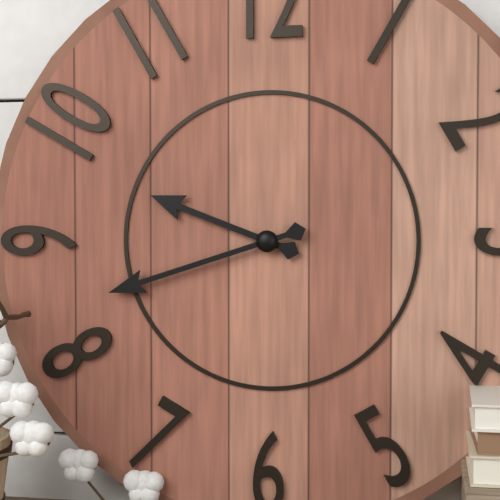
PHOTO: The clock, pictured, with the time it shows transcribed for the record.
9:42
